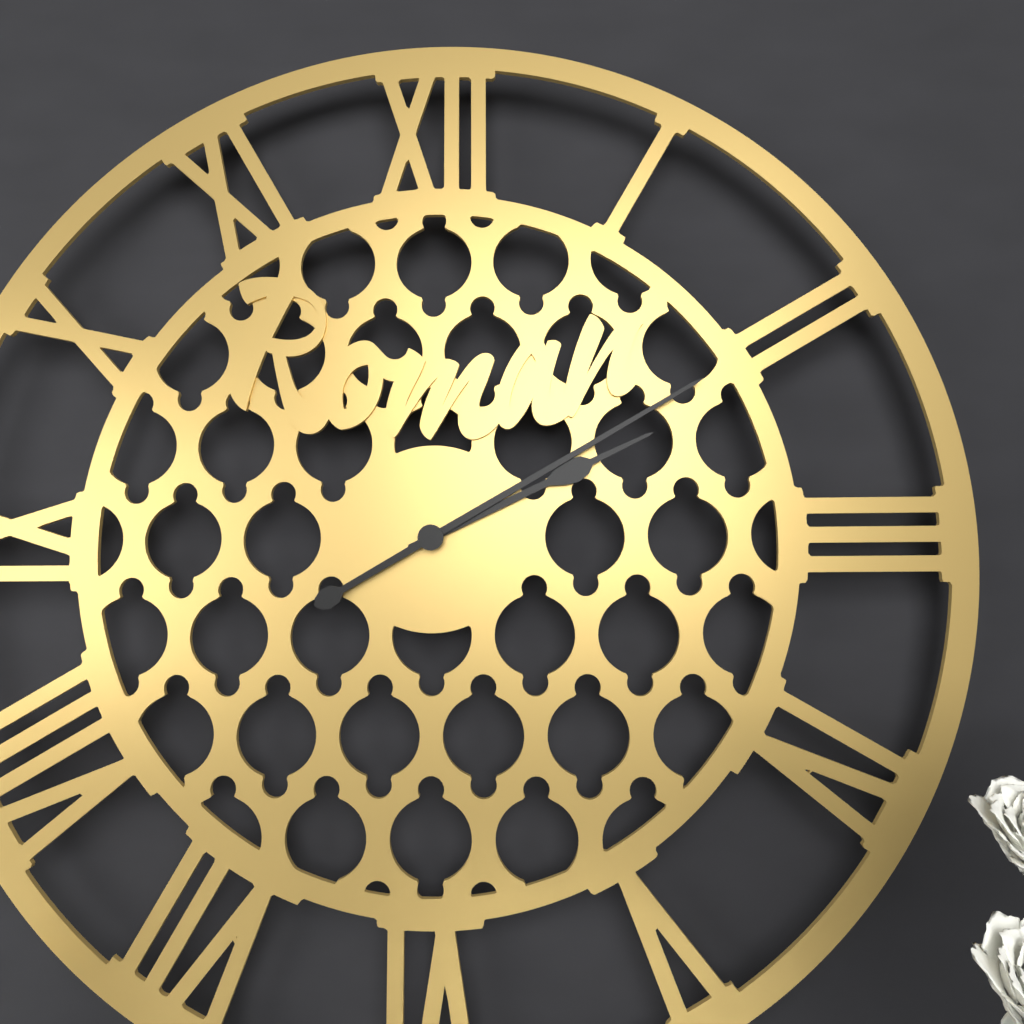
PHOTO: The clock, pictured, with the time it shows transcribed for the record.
2:10
